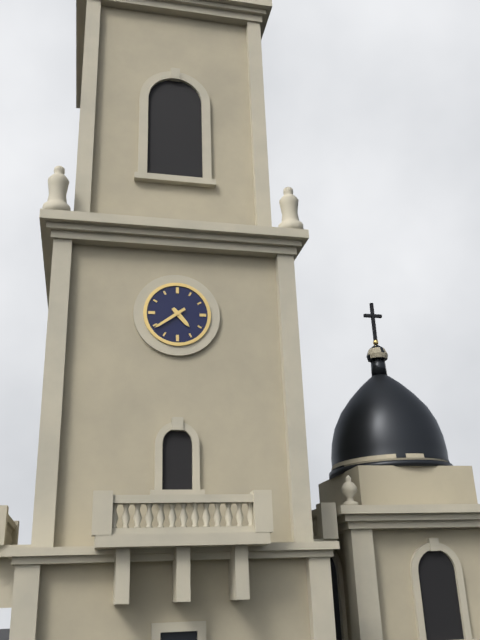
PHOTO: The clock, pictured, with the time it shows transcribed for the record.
4:39
